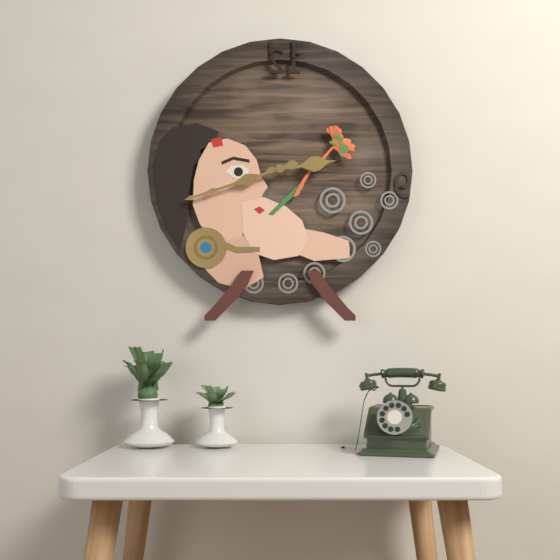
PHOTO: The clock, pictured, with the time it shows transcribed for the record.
2:42
